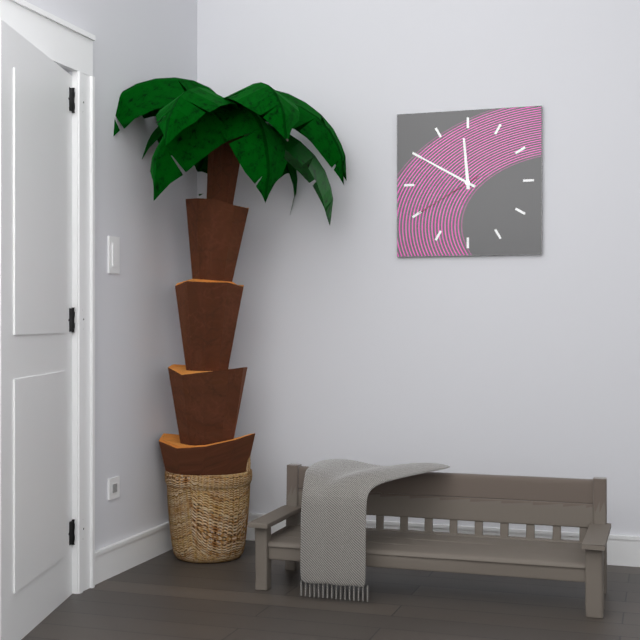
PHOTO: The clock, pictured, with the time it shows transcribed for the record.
11:50:40
